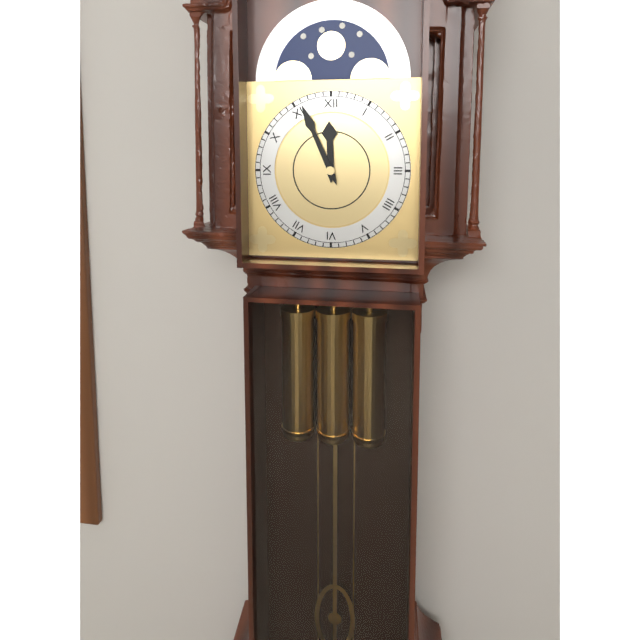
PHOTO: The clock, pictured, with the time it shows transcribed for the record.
11:56
